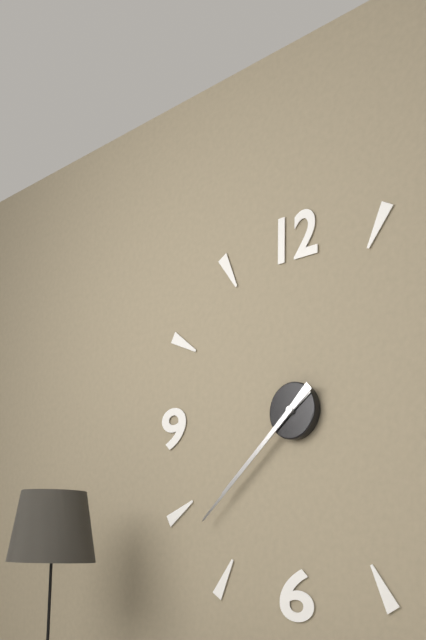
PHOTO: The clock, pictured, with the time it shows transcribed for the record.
7:38
